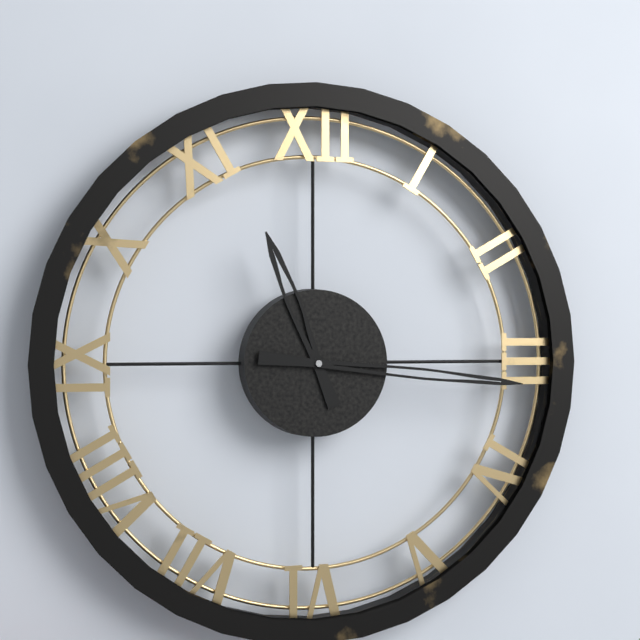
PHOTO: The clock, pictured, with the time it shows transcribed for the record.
11:16
